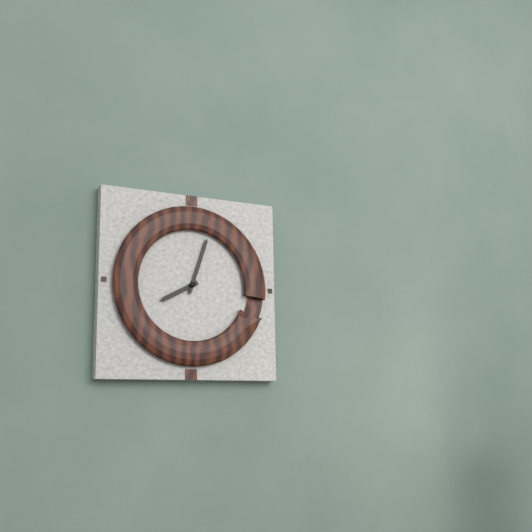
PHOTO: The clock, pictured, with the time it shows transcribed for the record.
8:03
